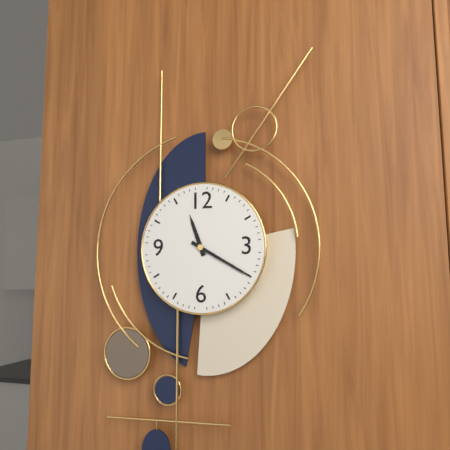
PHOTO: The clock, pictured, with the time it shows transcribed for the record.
11:20
